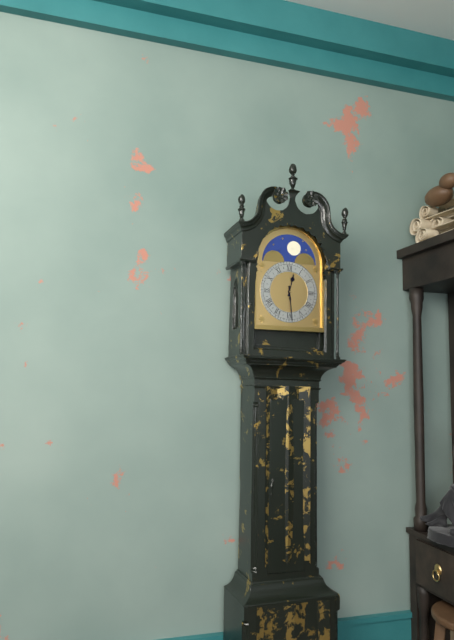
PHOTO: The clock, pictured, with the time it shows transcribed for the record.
12:29
